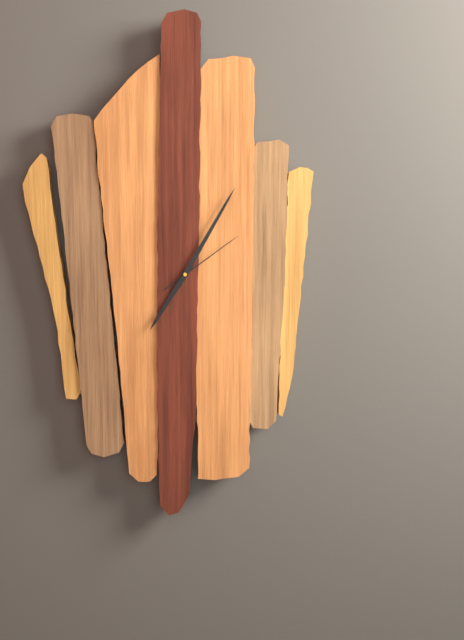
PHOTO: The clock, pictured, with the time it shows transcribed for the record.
7:05:09
